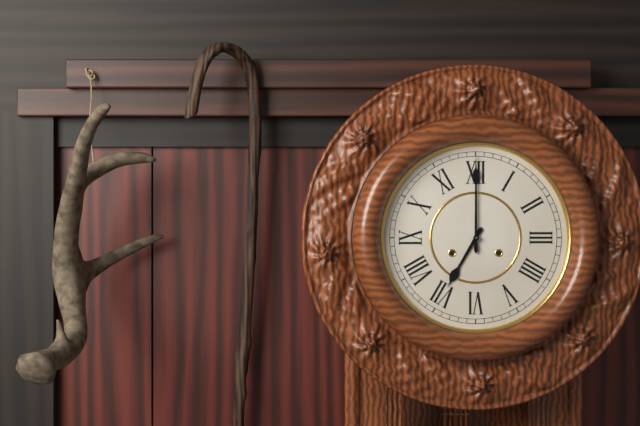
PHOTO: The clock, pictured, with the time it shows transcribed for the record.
7:00
